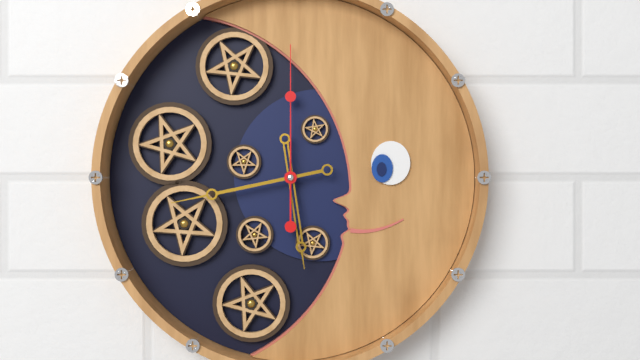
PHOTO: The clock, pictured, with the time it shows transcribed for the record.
5:43:00
